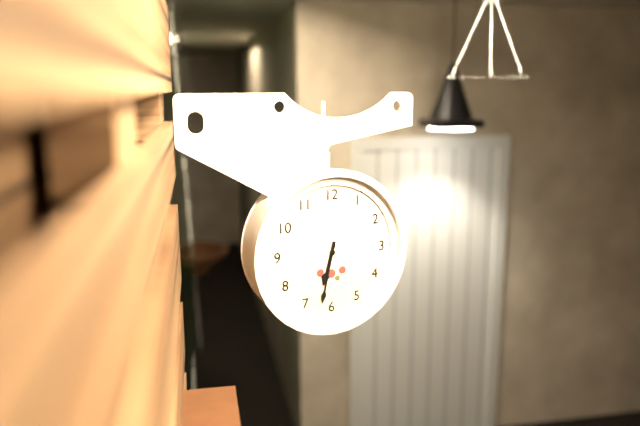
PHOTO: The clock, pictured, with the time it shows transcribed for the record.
6:32
